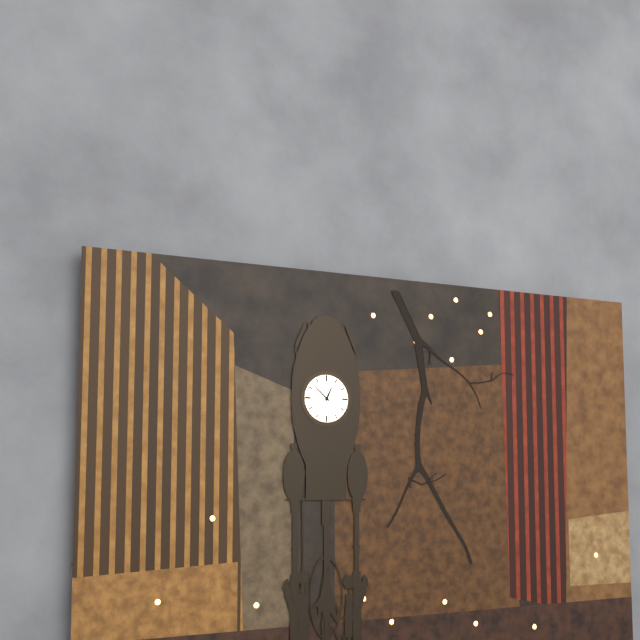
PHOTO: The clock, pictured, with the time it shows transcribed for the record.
12:52
